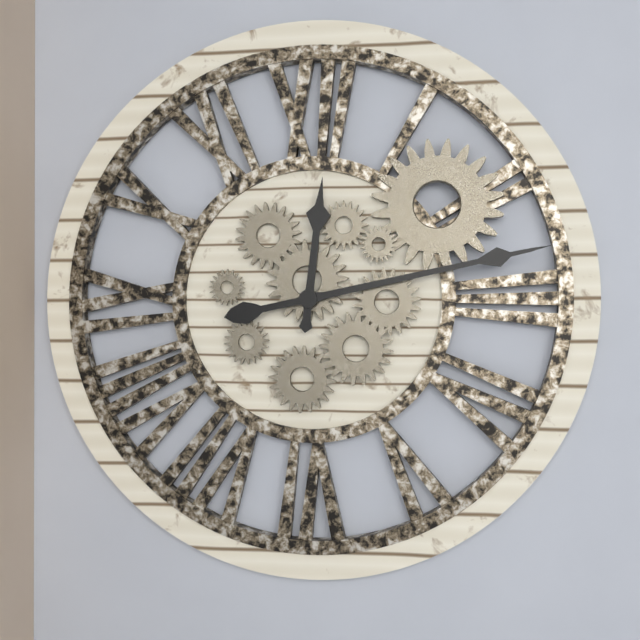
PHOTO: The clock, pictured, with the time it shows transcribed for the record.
12:13
